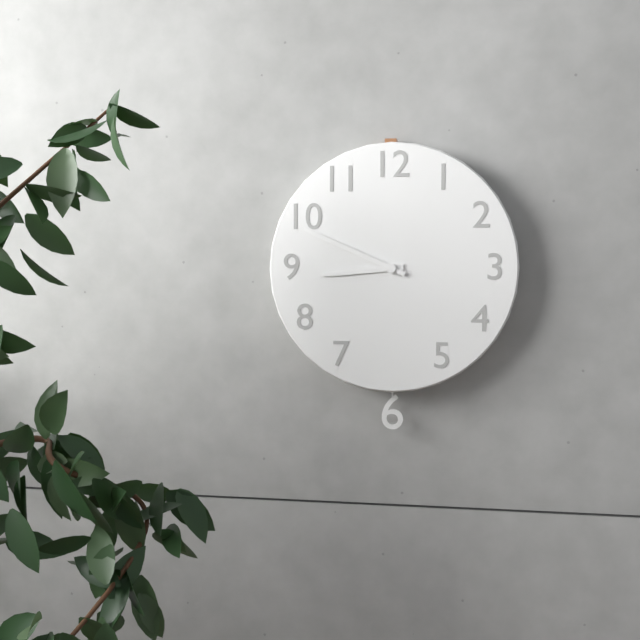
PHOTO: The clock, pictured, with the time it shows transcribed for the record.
8:49
